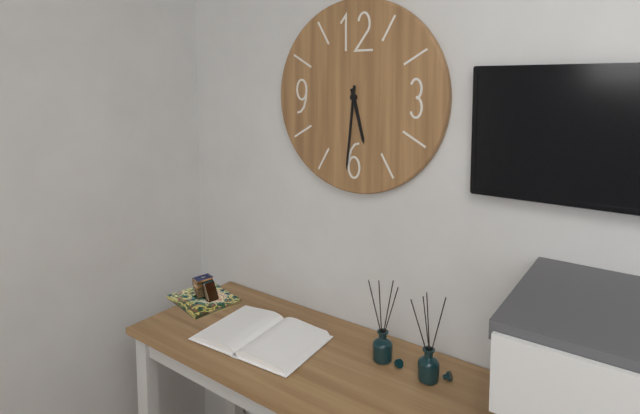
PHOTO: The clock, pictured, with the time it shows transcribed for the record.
5:31
